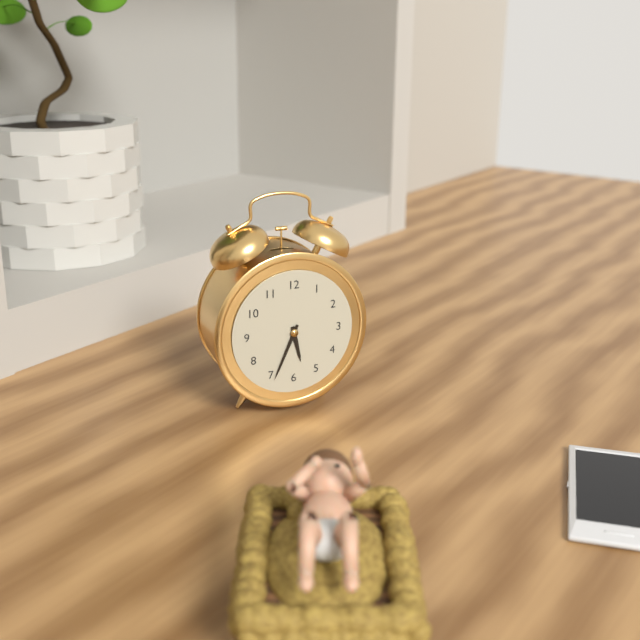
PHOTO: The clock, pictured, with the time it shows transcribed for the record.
5:34
